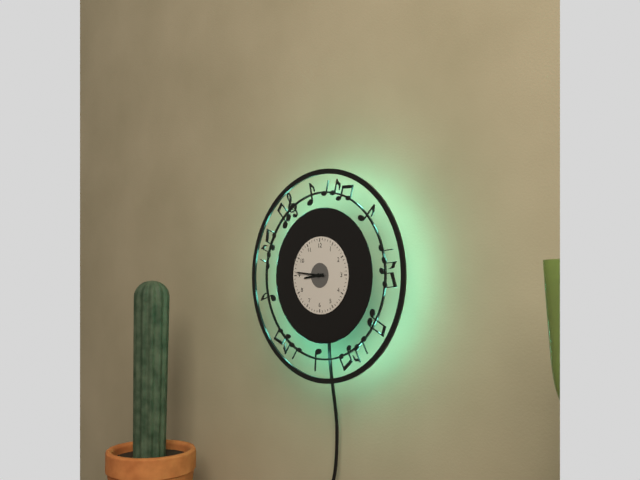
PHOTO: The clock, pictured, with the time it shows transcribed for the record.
8:46
